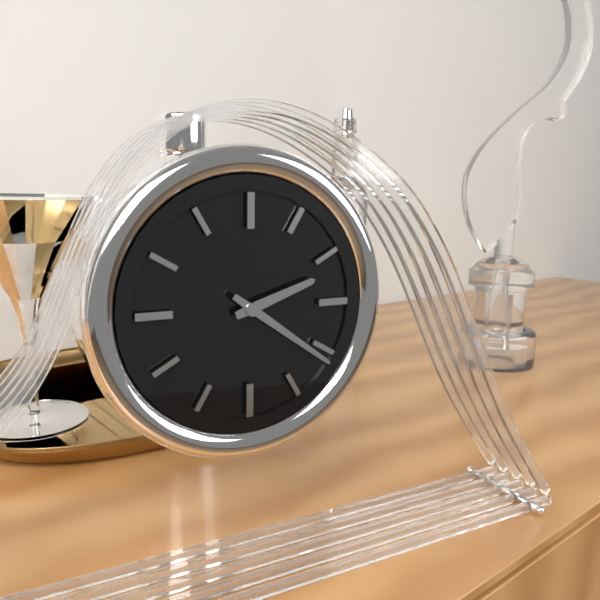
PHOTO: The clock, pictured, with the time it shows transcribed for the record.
2:21
